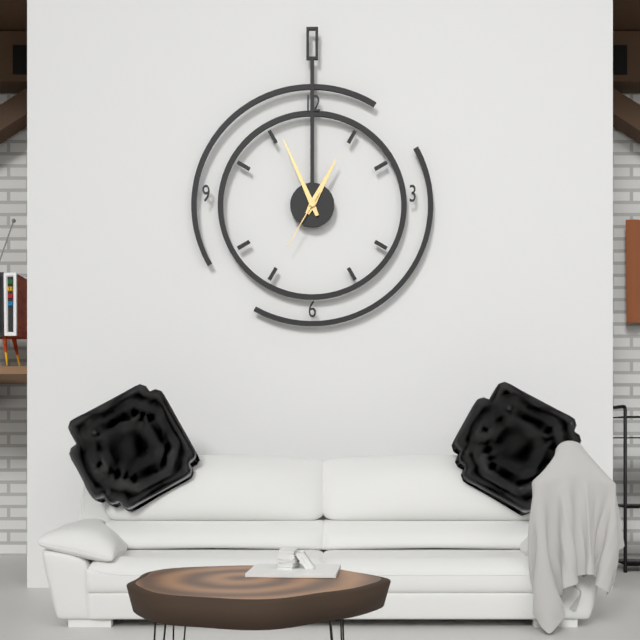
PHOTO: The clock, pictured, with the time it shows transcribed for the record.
12:56:35
